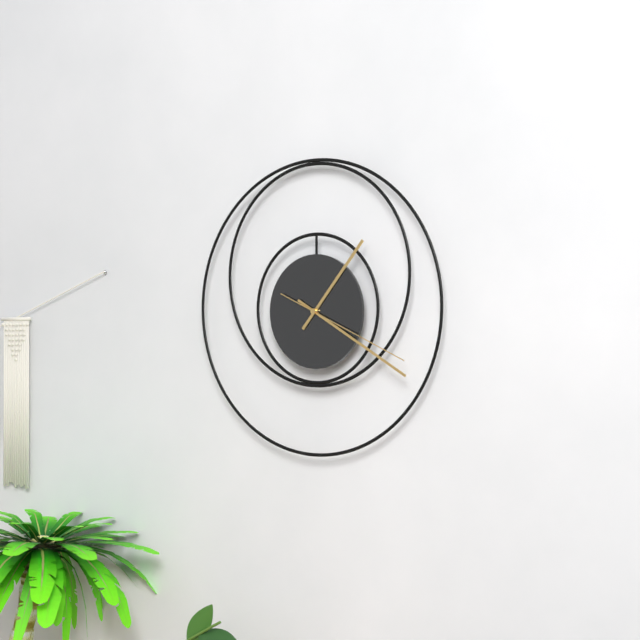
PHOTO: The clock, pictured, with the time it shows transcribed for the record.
1:20:19
